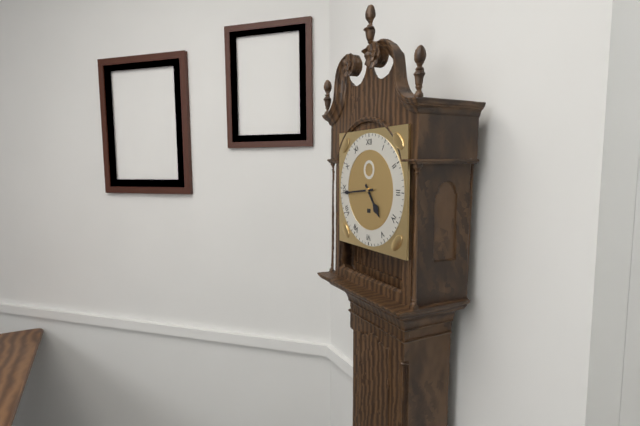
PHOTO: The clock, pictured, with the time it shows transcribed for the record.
4:44
